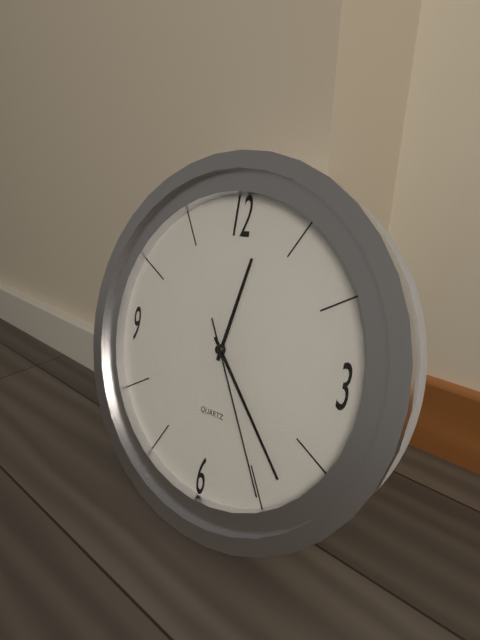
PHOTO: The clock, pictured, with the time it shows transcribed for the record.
12:23:25
